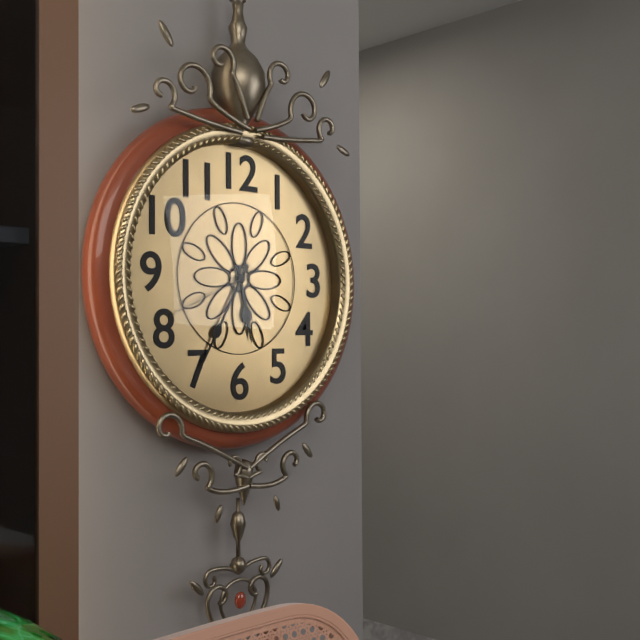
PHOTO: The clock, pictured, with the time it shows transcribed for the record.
5:35:41
